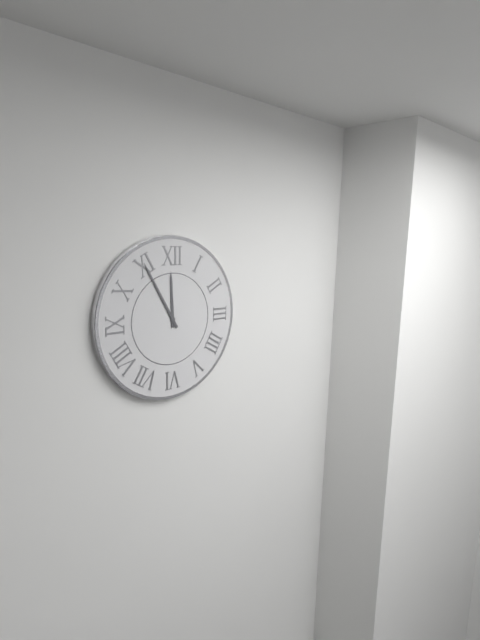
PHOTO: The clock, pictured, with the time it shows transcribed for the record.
11:55
